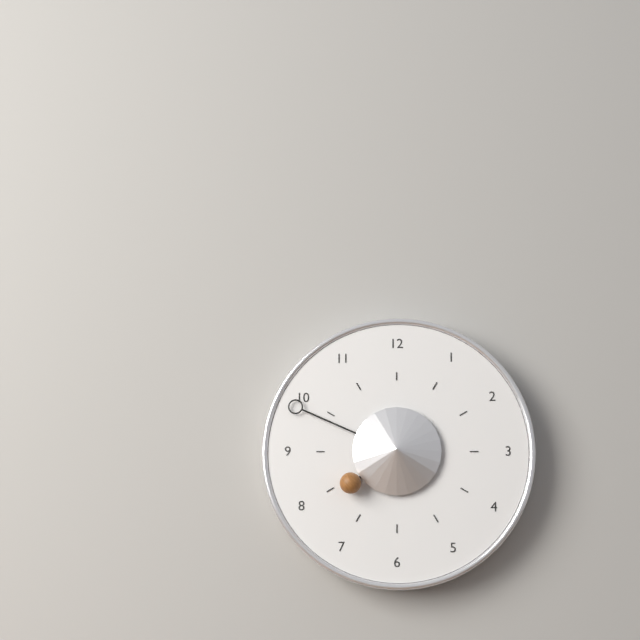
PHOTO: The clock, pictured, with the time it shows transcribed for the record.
7:49
